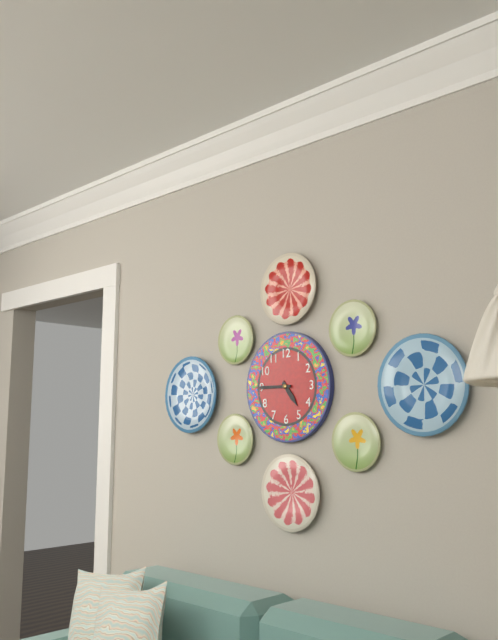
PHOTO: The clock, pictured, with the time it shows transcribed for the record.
4:45
